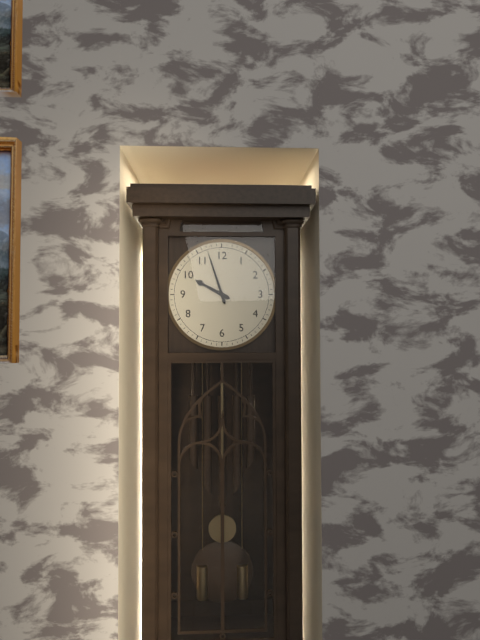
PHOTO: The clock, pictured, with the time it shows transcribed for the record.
9:57
